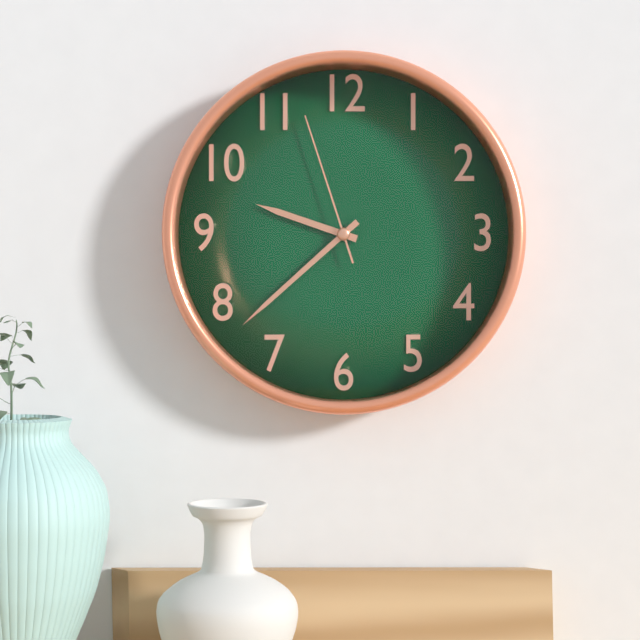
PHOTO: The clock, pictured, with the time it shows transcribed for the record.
9:38:57
